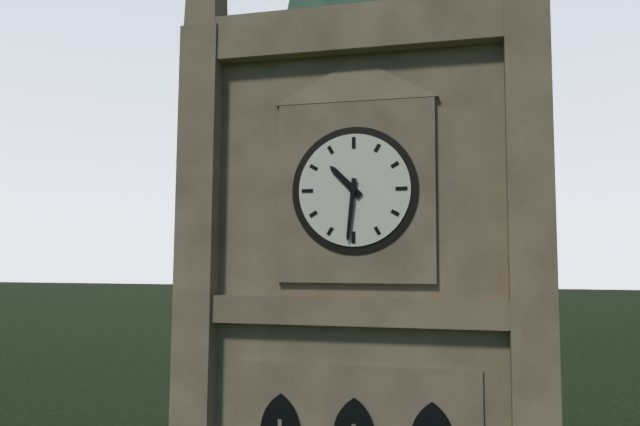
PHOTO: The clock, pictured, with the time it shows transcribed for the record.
10:31
